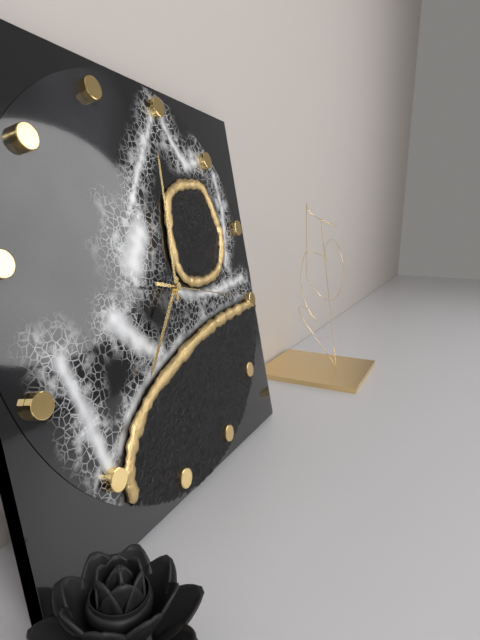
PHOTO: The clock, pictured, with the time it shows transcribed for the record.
6:59:15
